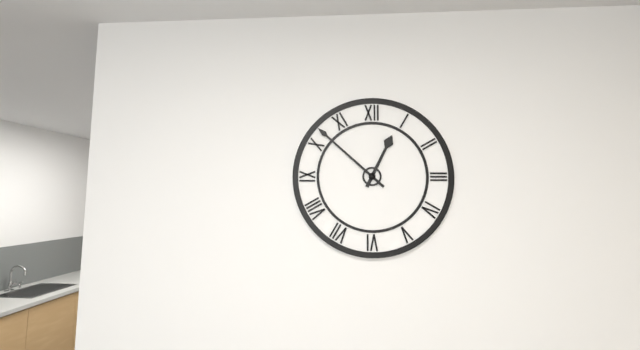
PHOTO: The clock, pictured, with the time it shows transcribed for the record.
12:52
